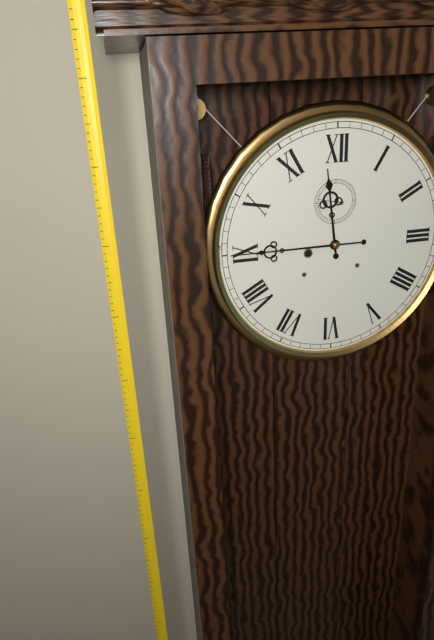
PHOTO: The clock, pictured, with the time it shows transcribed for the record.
11:45
